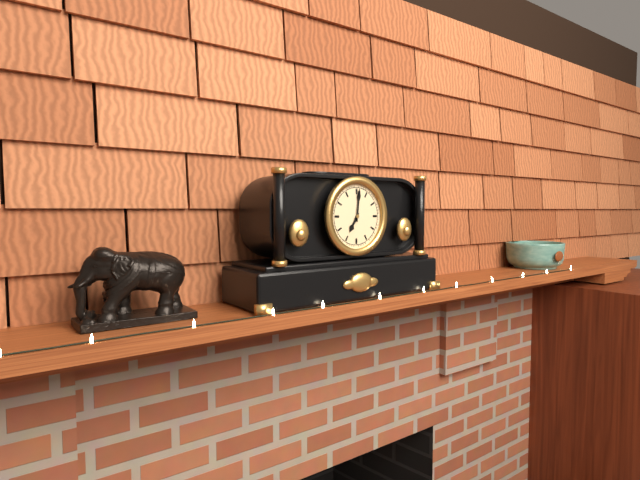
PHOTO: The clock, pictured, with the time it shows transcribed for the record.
7:01
